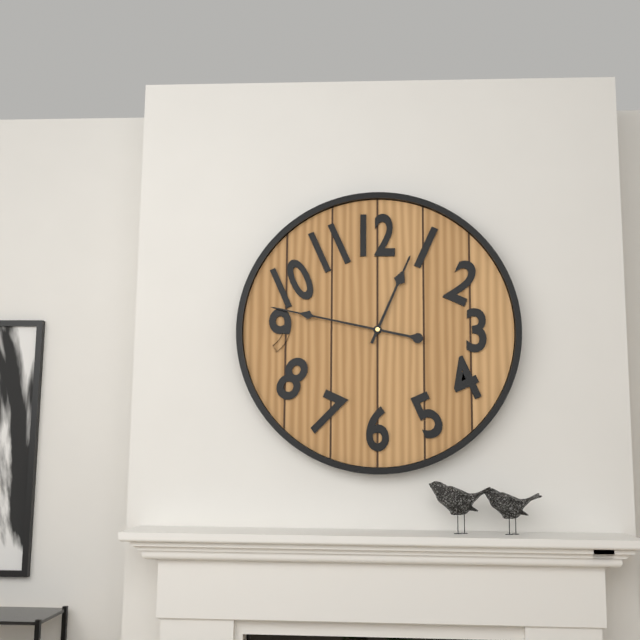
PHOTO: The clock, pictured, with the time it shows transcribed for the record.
12:47
